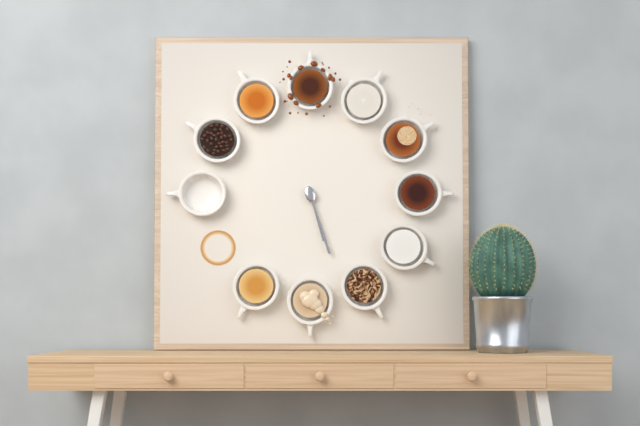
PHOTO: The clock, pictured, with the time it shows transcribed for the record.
5:27
